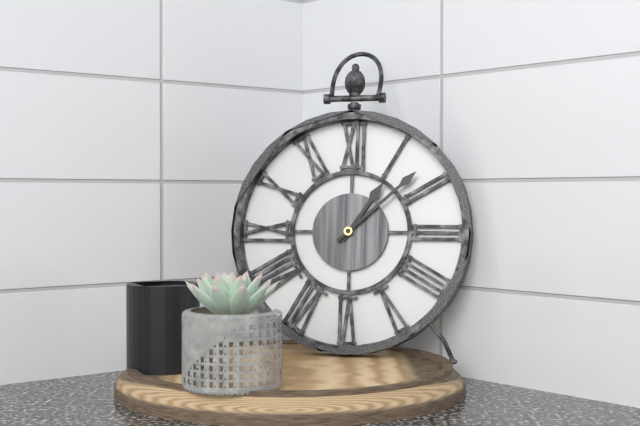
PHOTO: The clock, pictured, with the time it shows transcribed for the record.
1:08
